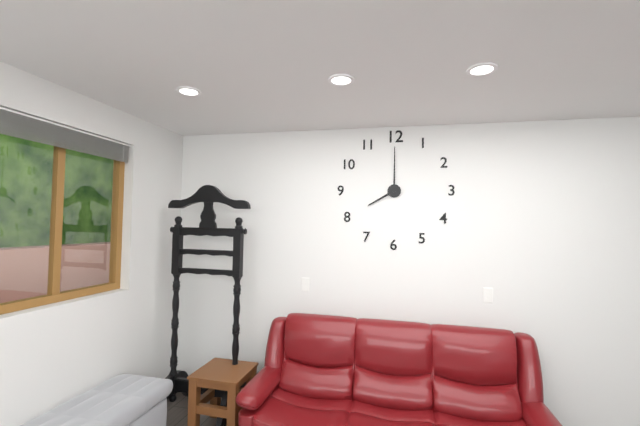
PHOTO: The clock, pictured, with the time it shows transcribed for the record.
8:00
